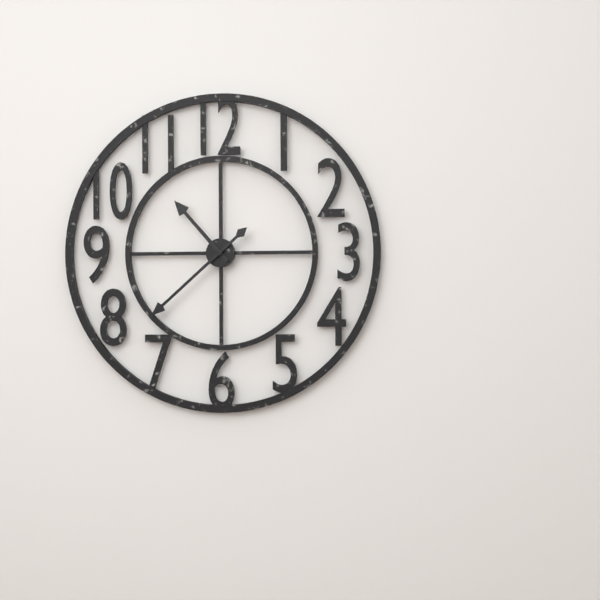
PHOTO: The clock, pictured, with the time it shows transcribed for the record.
10:38
